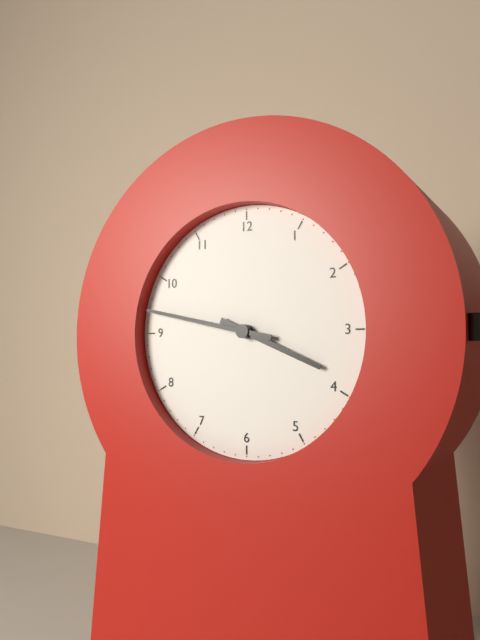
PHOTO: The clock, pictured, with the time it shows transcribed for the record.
3:47
